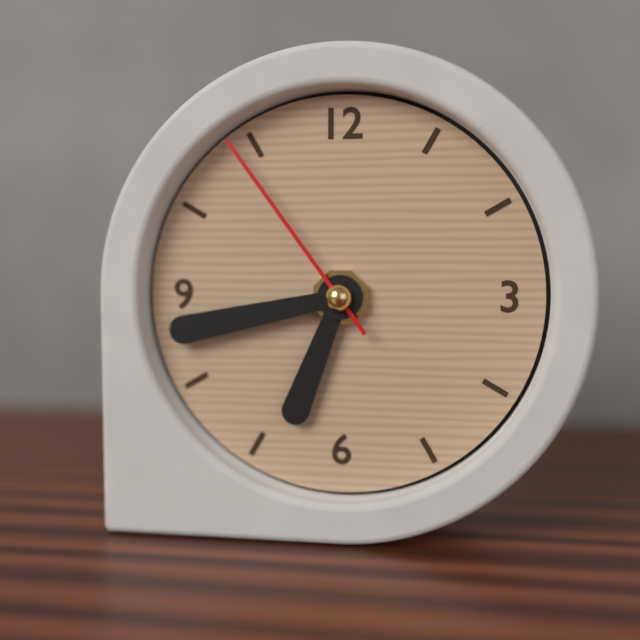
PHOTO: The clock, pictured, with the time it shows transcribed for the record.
6:43:54
